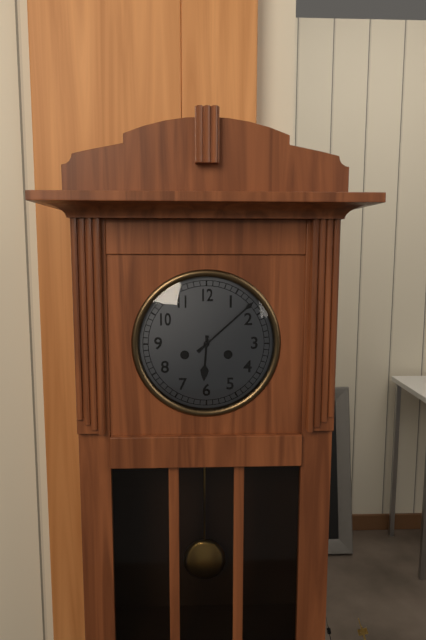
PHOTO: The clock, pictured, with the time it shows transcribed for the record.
6:08
